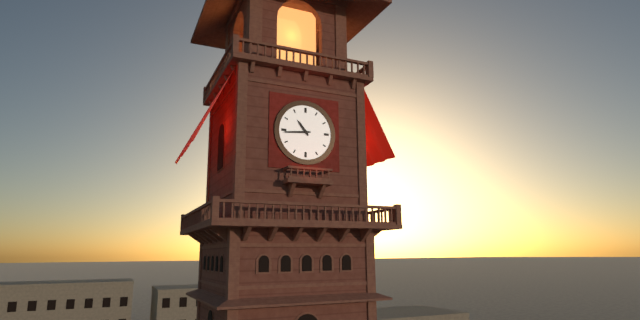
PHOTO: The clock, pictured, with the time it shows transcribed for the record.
10:44
